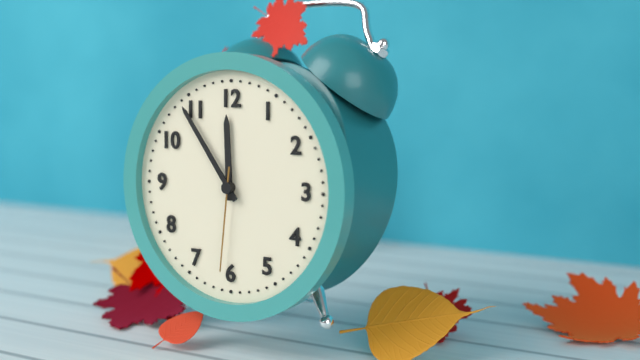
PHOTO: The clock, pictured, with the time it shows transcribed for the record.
11:54:31
